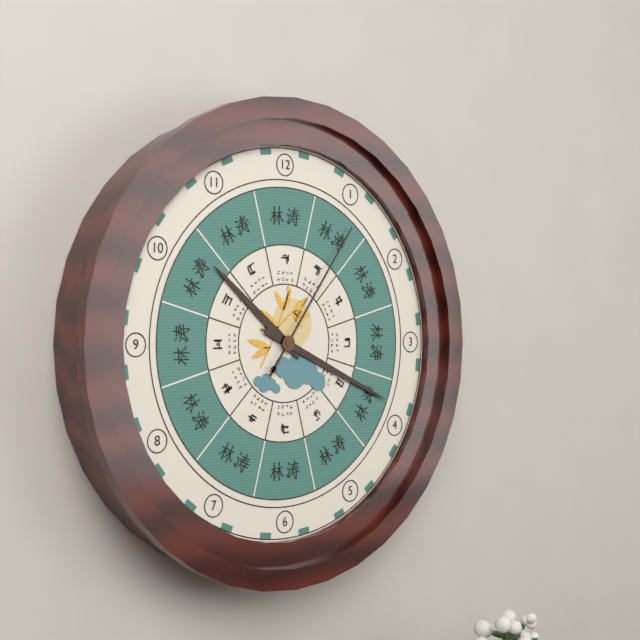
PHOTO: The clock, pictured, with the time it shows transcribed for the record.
10:19:06
